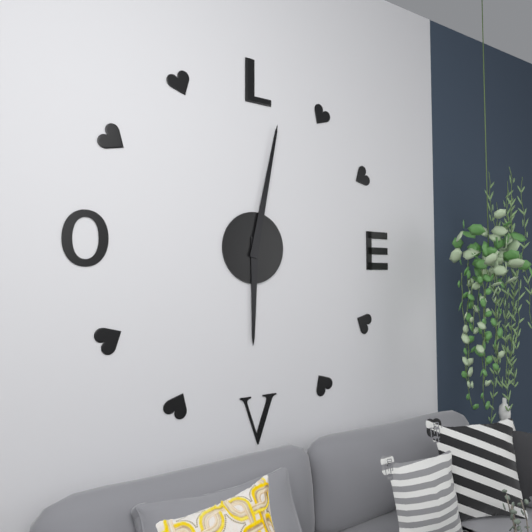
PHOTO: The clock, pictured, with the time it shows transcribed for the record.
6:02
